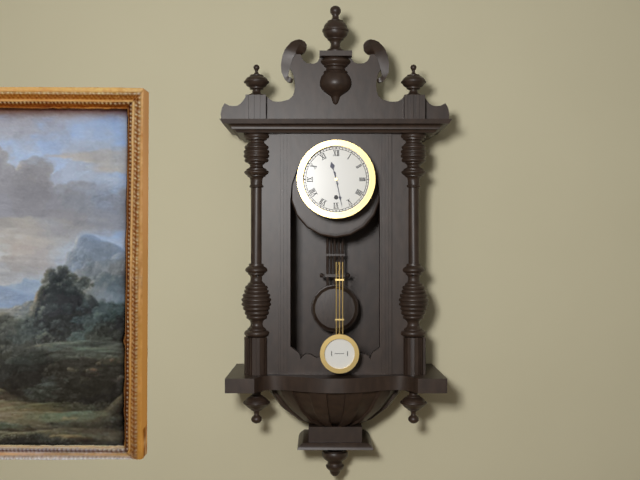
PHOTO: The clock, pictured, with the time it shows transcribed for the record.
11:28
